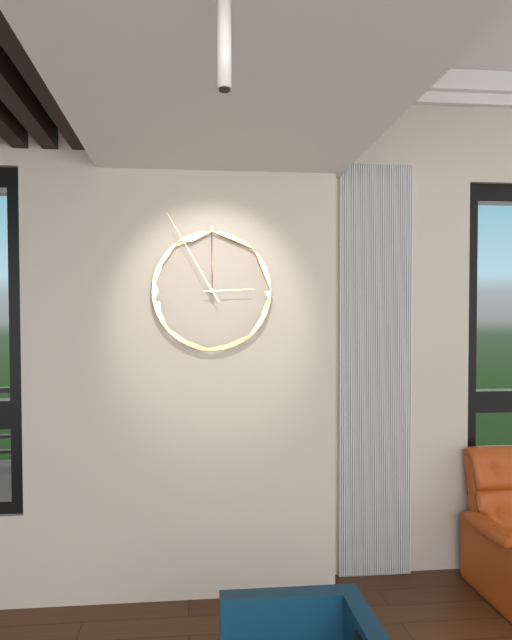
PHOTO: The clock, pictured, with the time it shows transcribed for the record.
2:55
